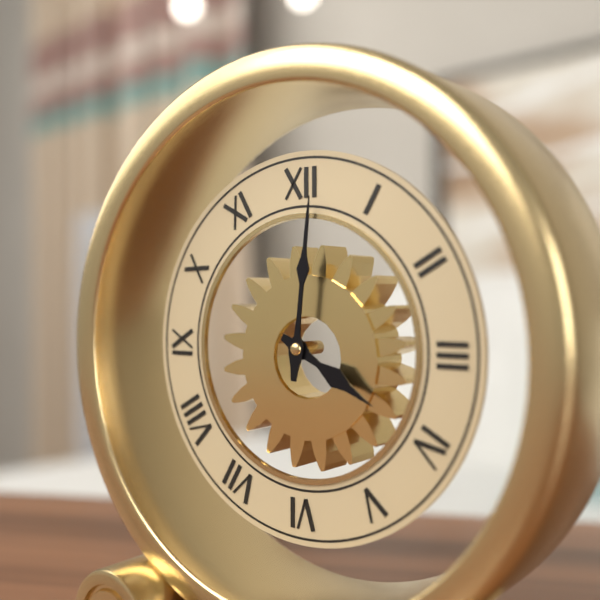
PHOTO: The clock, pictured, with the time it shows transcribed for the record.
4:01
